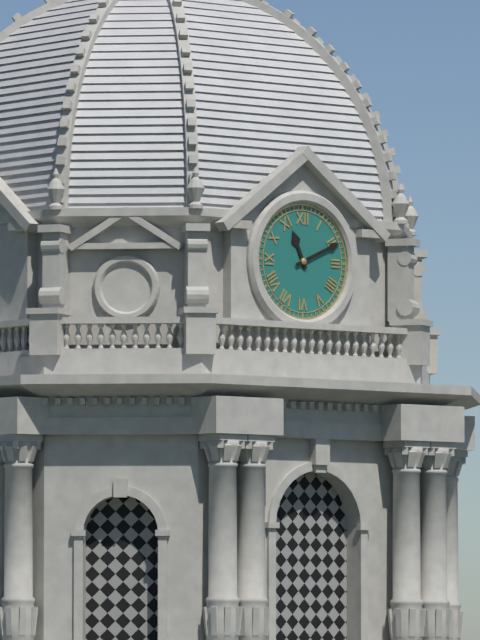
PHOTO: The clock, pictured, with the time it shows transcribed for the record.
11:11
